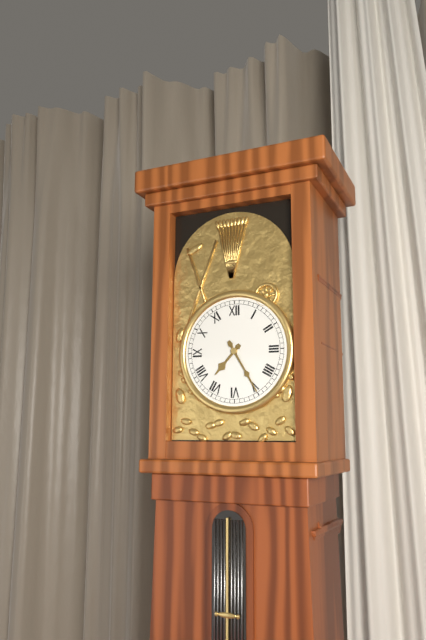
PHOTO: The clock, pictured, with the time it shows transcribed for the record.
7:25
